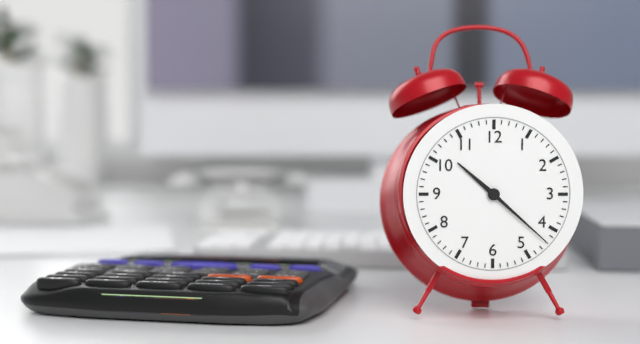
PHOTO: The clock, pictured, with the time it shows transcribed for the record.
10:22
